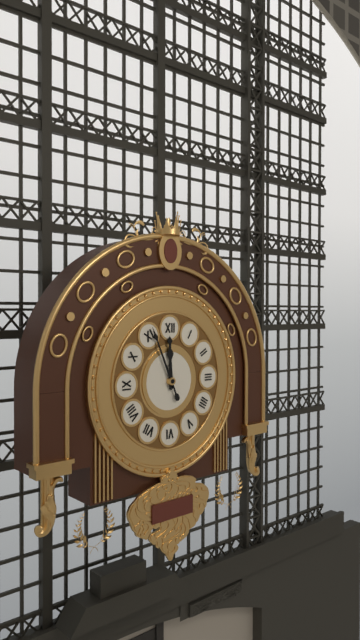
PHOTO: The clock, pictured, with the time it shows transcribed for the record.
11:56
